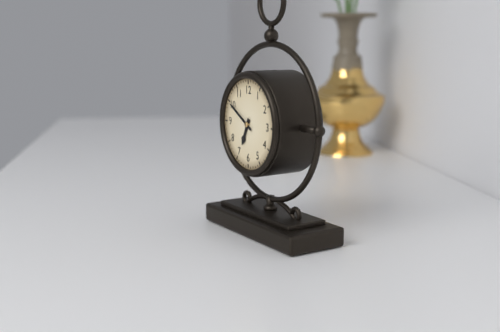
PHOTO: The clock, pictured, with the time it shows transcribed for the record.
6:50
